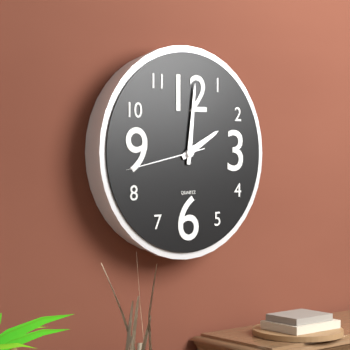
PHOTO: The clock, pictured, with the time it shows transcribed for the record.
2:01:43
